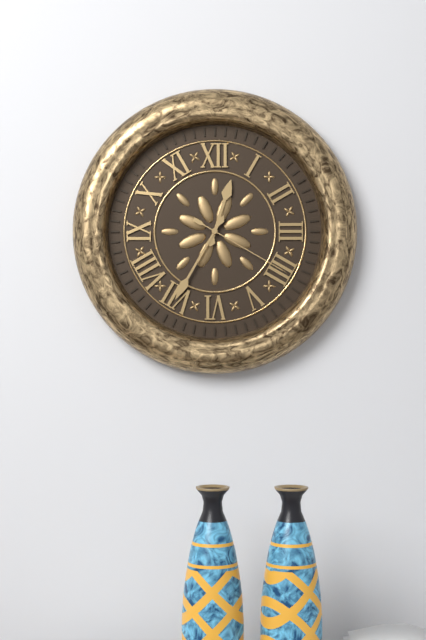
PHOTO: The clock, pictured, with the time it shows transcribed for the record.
12:35:20
